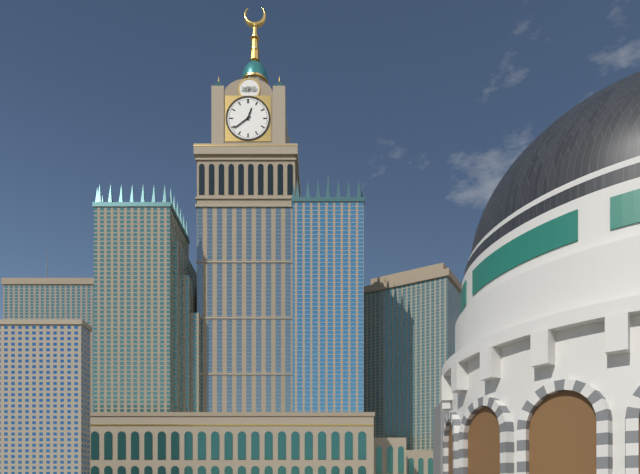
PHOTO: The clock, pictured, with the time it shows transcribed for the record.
12:39
